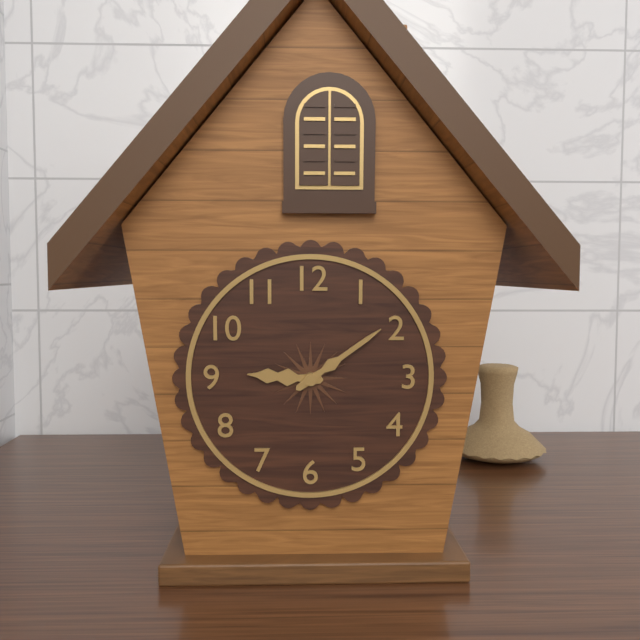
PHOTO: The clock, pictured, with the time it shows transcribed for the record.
9:09
